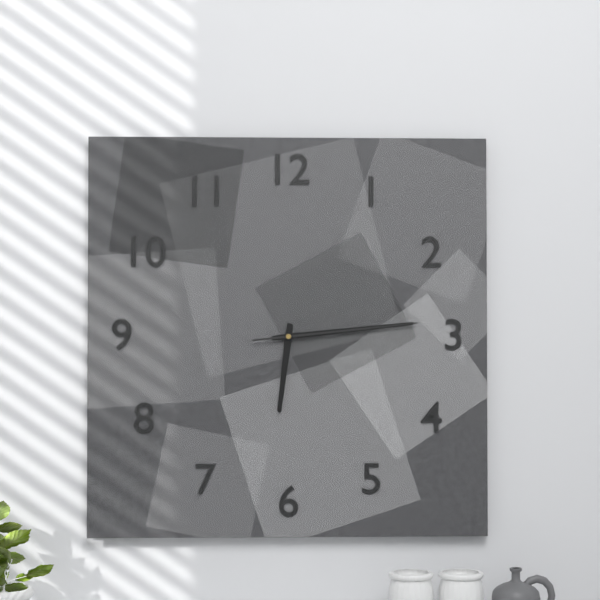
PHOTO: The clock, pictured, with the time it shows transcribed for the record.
6:14:14
